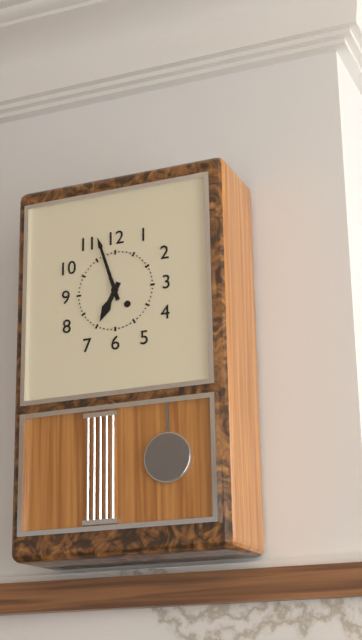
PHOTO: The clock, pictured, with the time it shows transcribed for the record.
6:57
